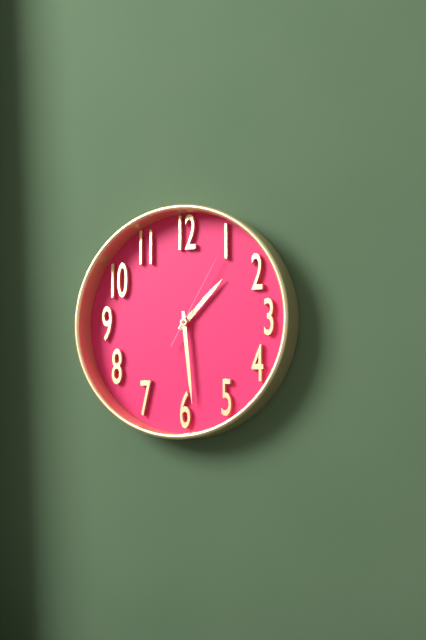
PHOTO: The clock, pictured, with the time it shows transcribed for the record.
1:29:05
